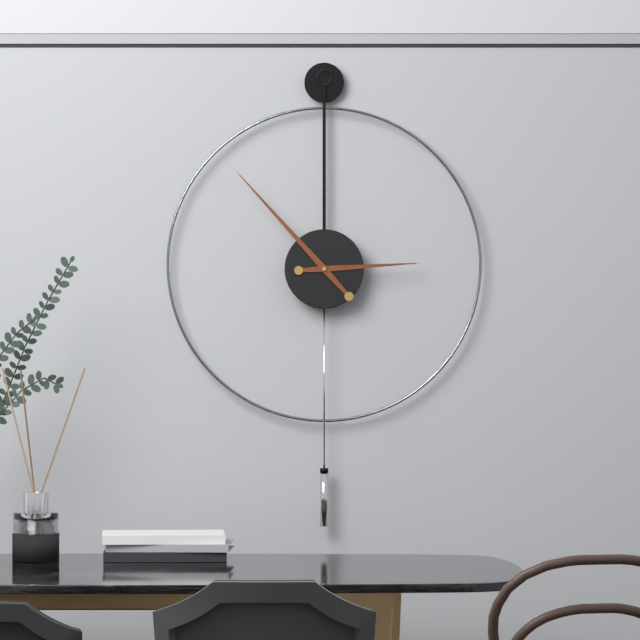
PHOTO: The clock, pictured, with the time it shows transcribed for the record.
2:53
